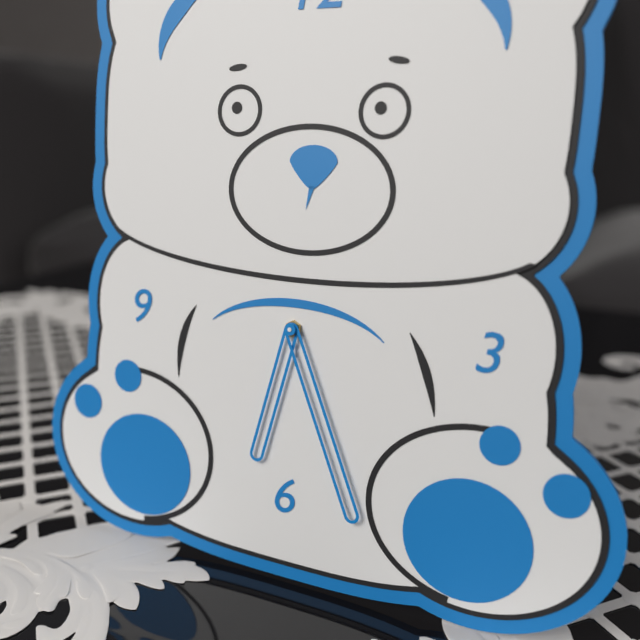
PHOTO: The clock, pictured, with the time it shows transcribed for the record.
6:26
